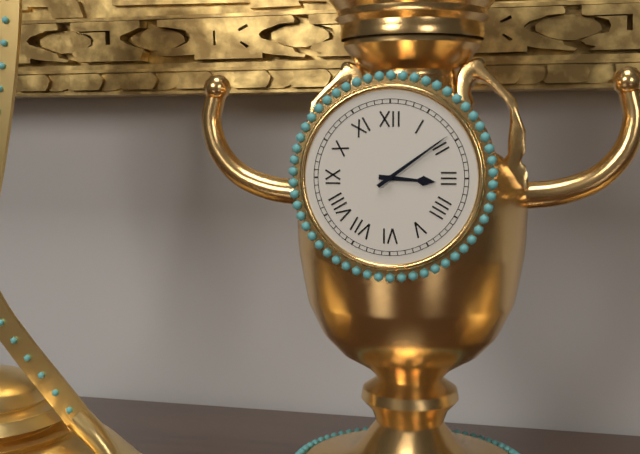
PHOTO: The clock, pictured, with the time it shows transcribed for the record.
3:09
